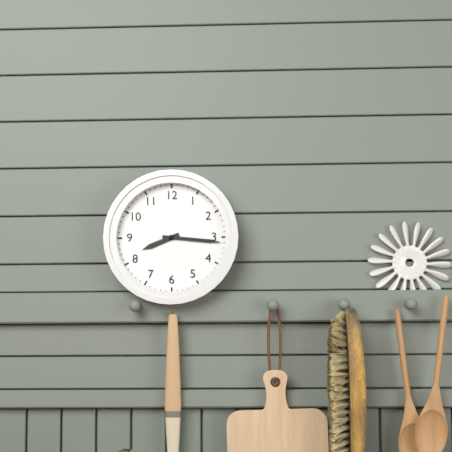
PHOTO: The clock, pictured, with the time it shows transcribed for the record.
8:16
